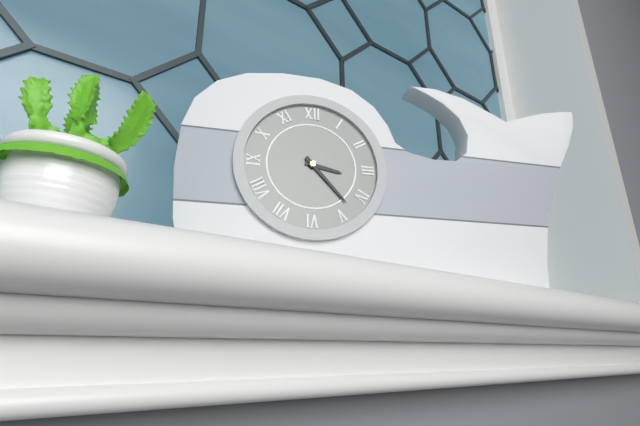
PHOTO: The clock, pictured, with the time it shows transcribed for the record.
3:23
